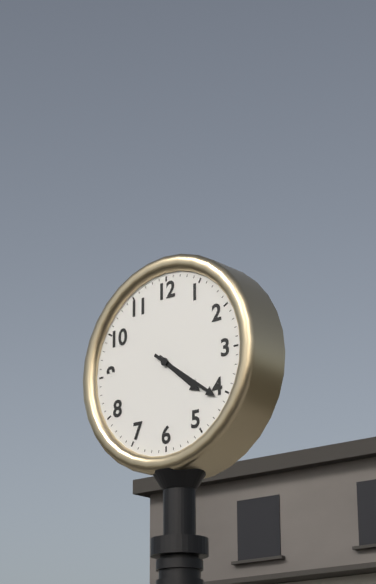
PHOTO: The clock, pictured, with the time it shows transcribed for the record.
4:21
